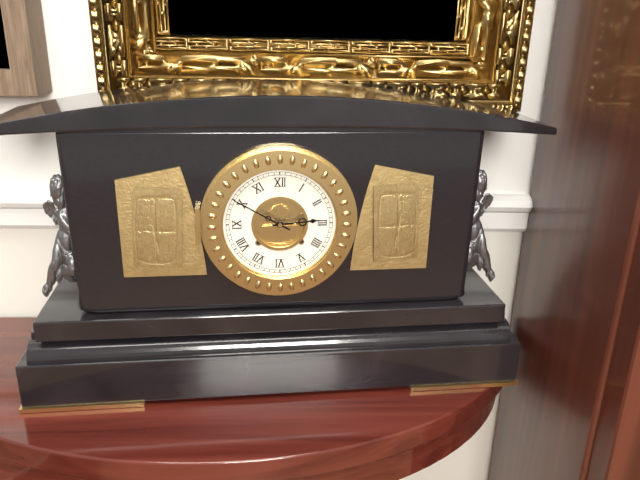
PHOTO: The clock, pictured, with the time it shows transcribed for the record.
2:50
